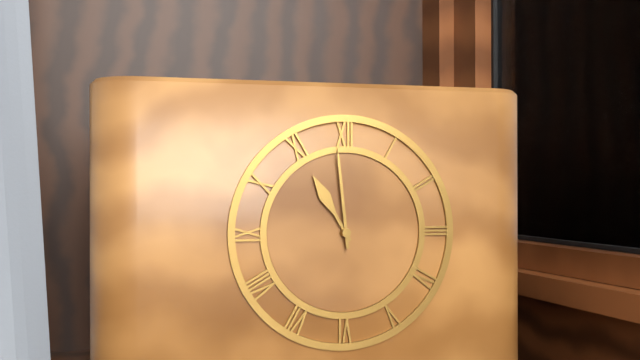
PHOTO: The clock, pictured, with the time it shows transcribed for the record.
10:59
